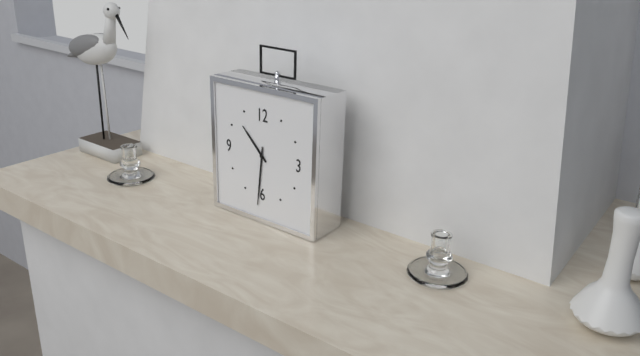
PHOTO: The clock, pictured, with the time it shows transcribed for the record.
10:31
